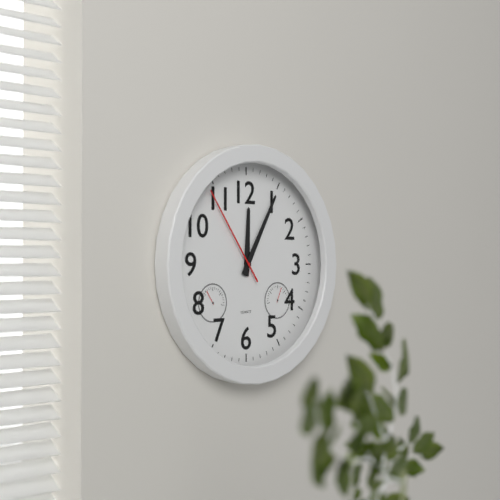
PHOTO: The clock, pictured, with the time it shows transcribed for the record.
12:05:54
